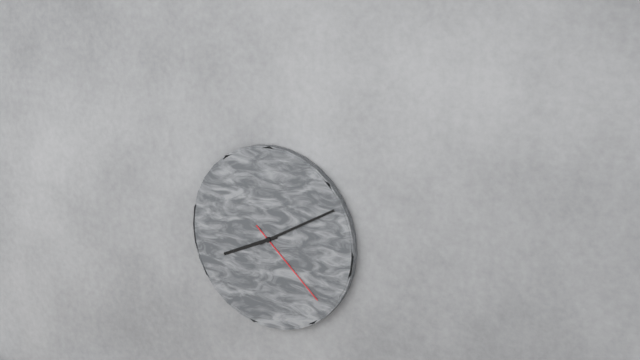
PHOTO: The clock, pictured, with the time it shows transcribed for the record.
8:10:22
